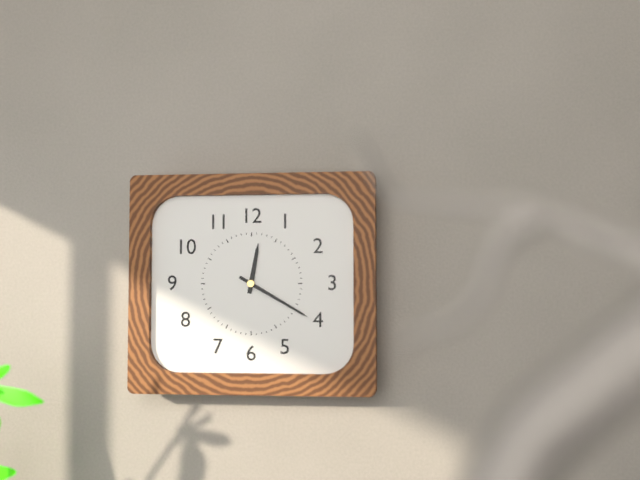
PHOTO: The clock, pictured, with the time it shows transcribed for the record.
12:20
